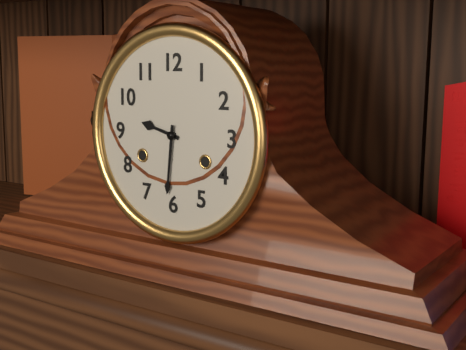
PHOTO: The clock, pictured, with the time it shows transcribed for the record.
9:31
